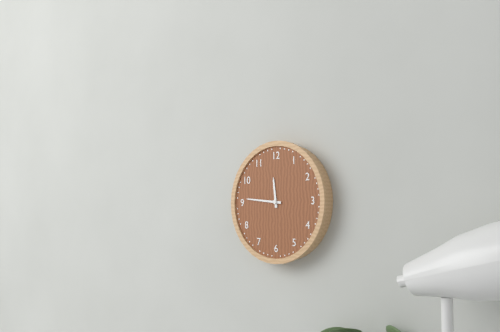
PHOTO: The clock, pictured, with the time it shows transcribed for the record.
11:46
